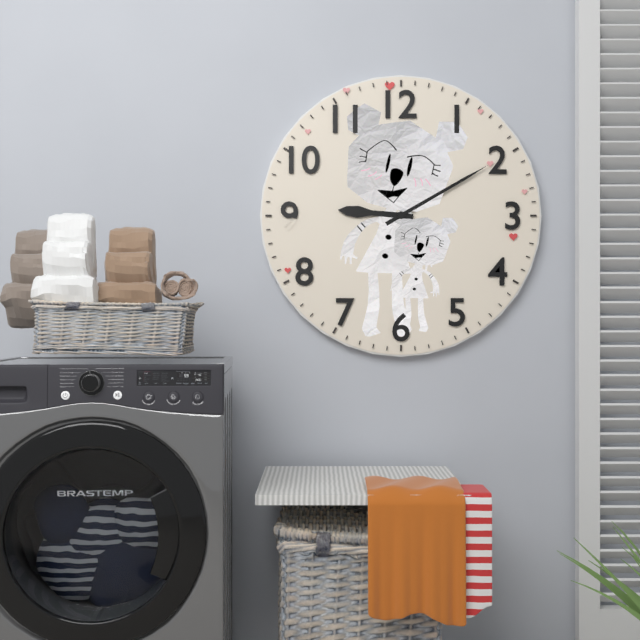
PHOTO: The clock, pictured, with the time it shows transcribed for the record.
9:10
